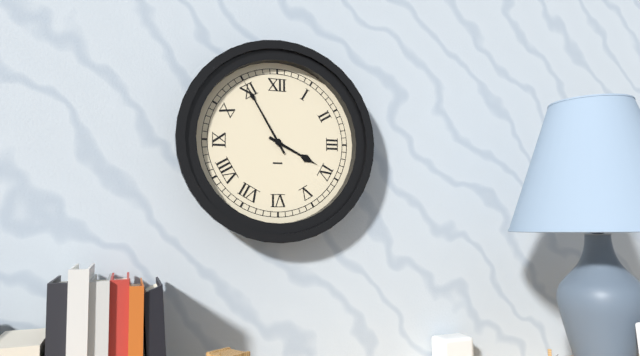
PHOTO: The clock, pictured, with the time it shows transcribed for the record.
3:55
